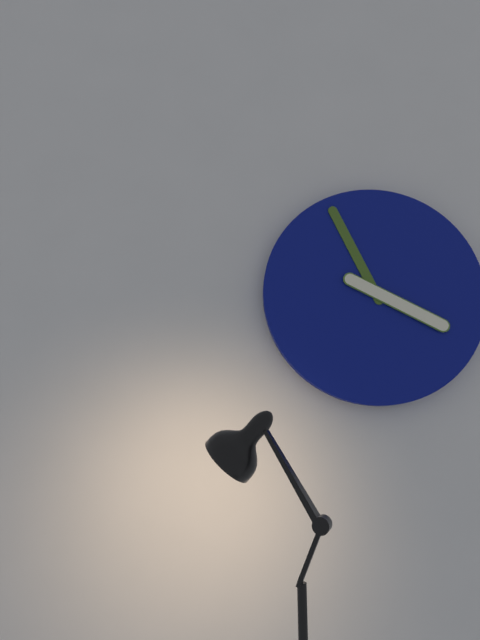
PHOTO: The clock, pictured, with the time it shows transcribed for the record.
3:56
